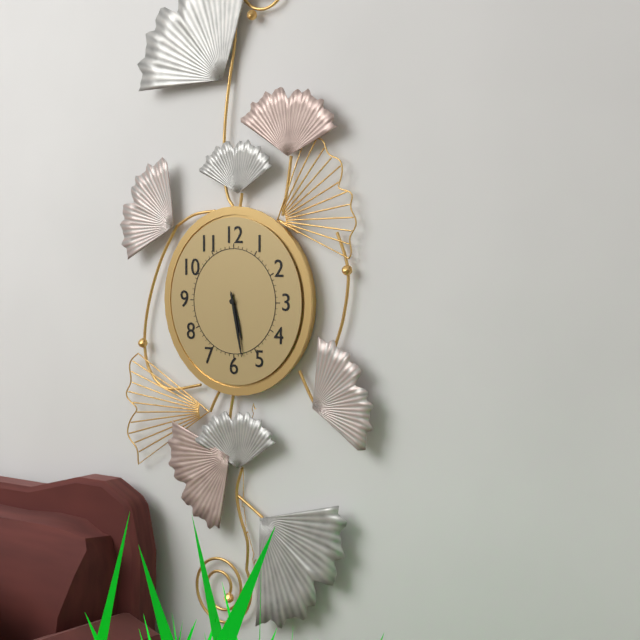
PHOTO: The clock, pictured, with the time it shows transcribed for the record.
5:28
